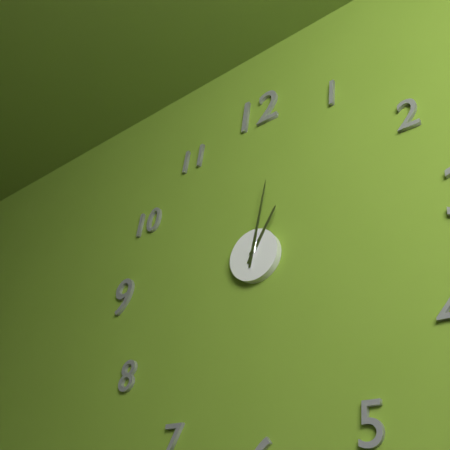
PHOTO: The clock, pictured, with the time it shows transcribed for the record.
1:02
